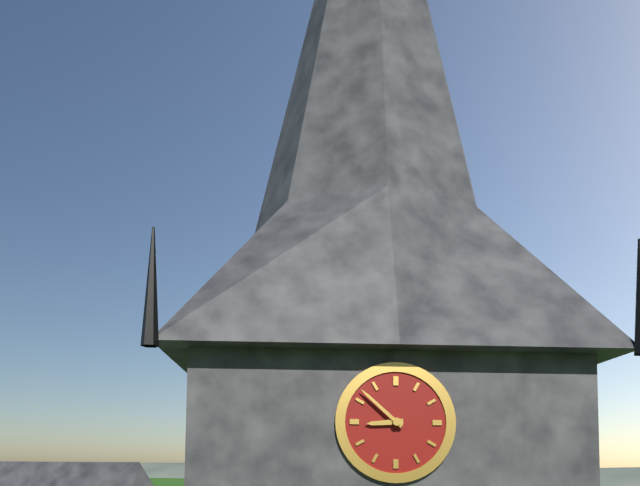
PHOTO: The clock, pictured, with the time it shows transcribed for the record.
8:52
